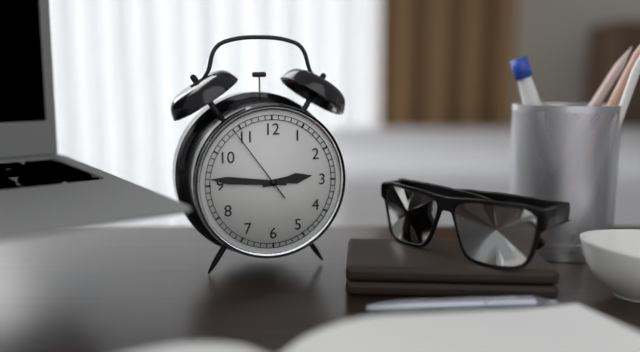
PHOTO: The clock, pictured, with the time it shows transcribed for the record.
2:46:54
